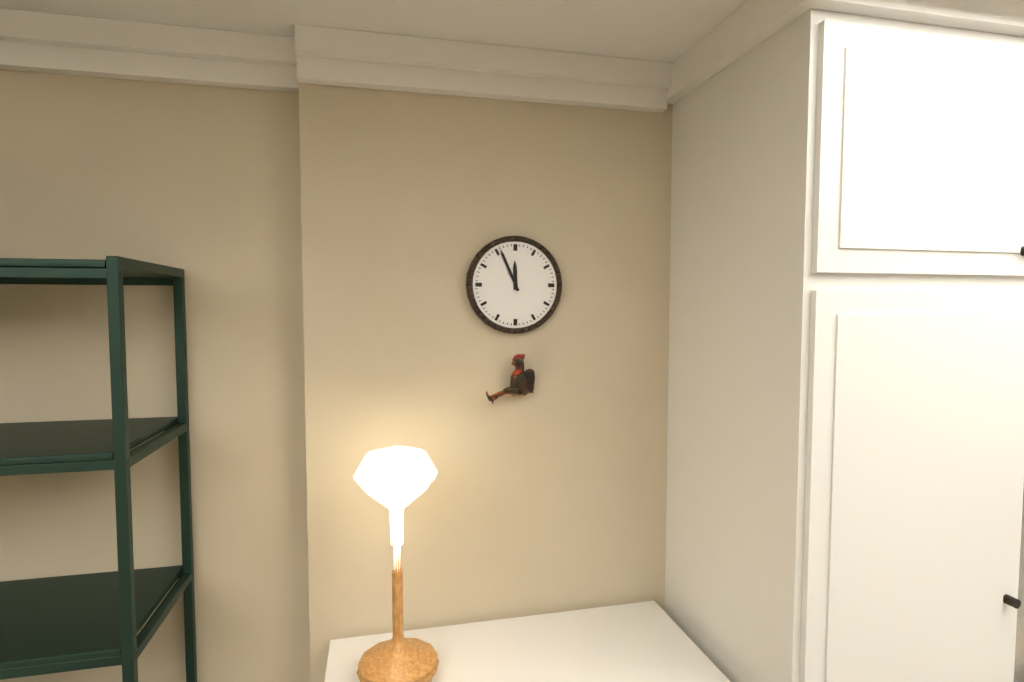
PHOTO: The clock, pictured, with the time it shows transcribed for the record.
11:56
